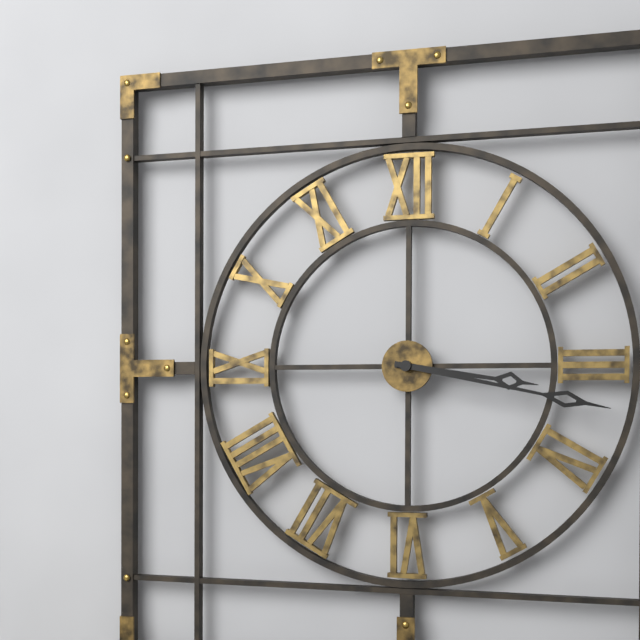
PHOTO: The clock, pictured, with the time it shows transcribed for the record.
3:17
